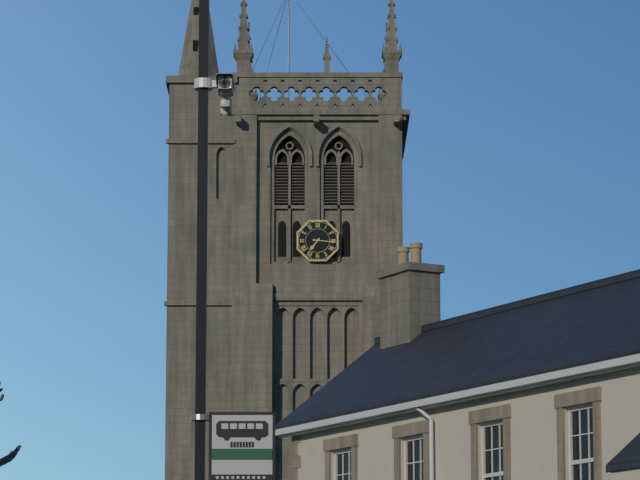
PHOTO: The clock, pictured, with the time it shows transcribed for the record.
7:16
